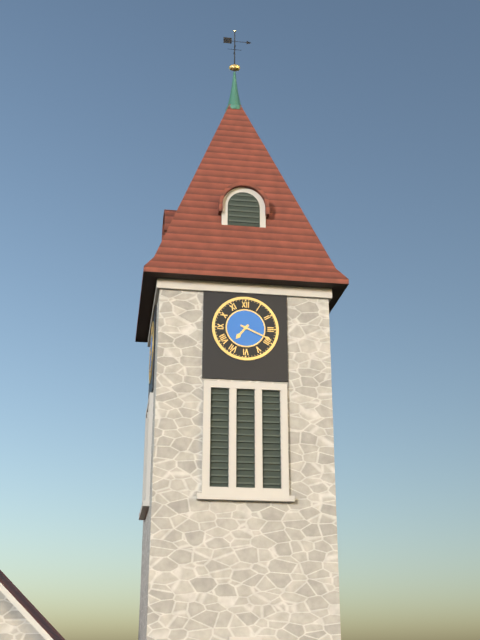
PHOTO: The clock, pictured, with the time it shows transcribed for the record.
7:19
